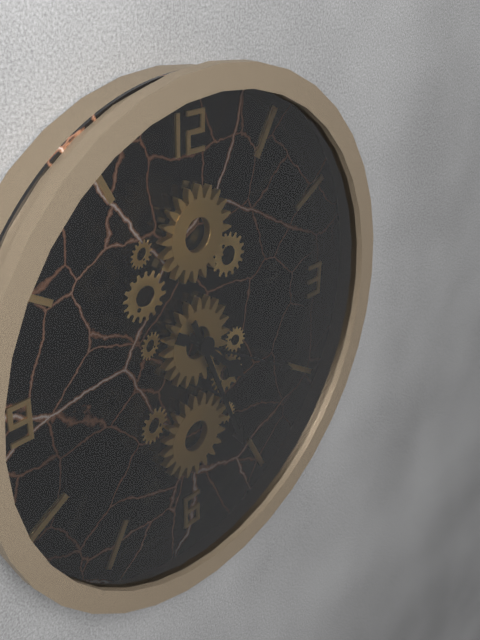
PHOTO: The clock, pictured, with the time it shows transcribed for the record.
4:26:20
